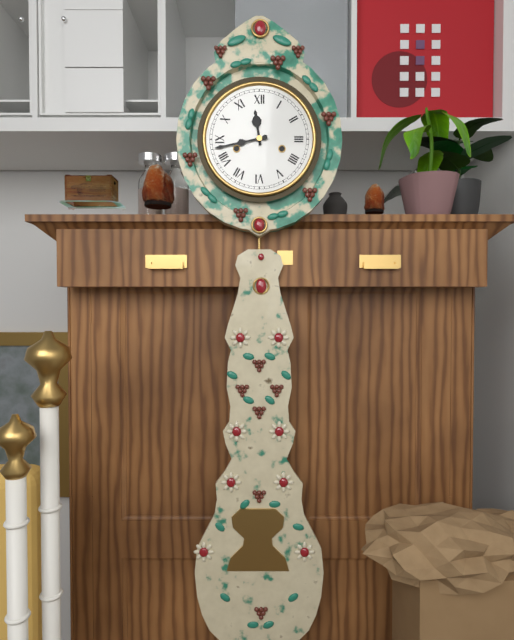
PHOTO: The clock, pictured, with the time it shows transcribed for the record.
11:43
